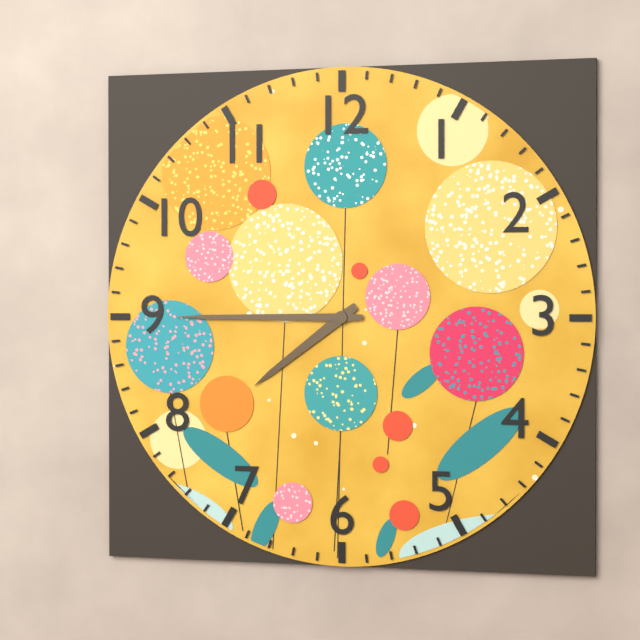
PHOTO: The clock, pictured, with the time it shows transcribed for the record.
7:45
